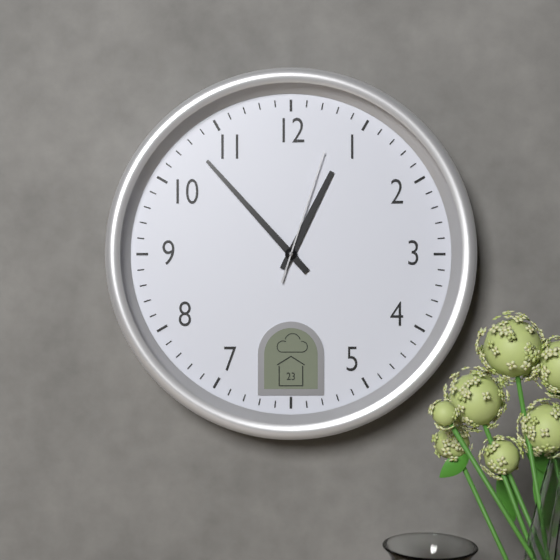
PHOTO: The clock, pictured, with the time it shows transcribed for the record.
12:53:03
